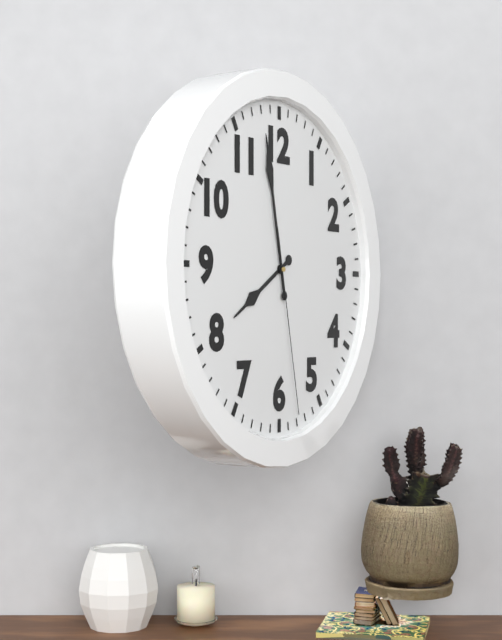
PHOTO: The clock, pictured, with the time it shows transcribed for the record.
7:58:28
